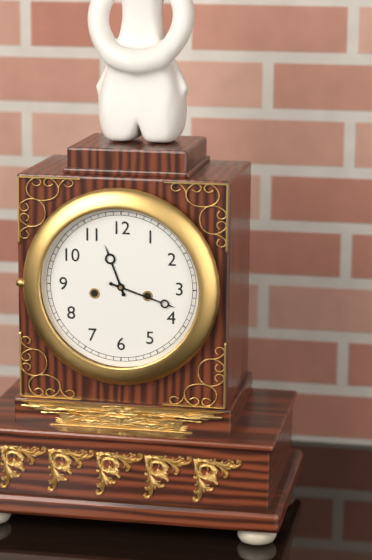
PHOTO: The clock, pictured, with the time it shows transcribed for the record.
11:18
